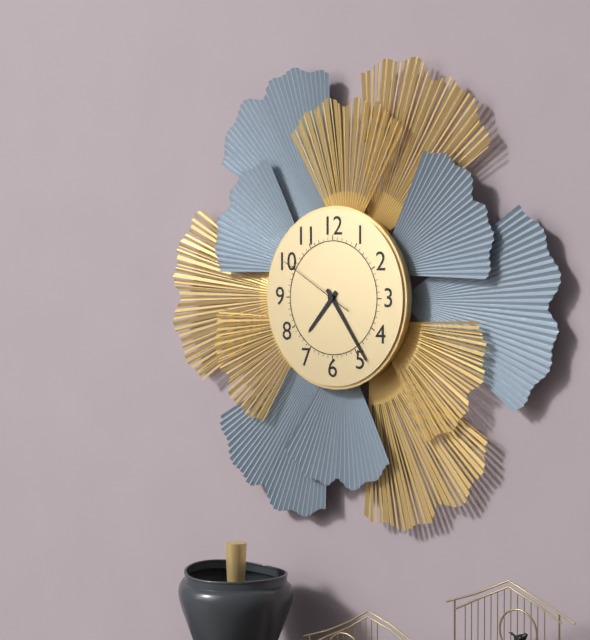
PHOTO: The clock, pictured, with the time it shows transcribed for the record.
7:24:50
